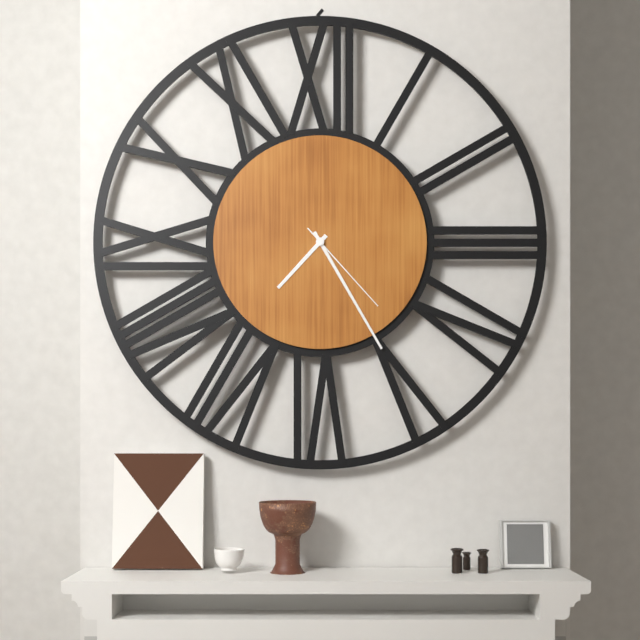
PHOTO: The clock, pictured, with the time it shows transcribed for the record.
7:25:23
